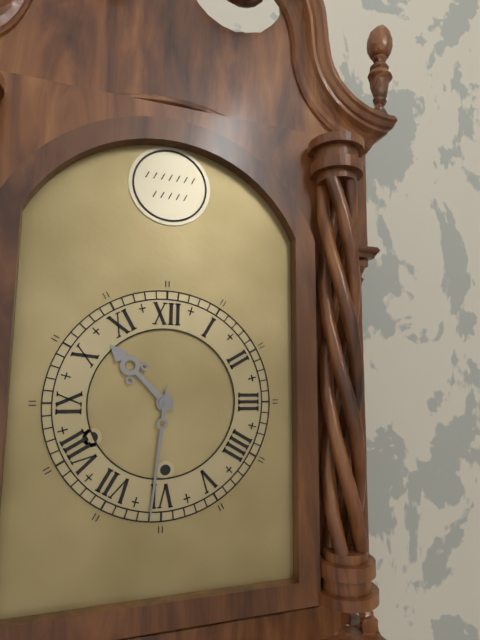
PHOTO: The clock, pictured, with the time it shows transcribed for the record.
10:31
